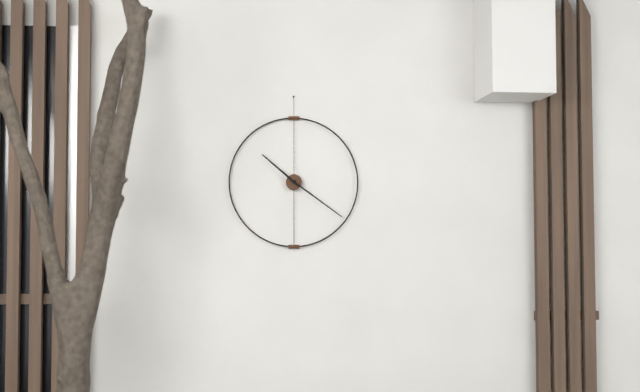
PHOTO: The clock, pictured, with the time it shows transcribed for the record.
10:21
